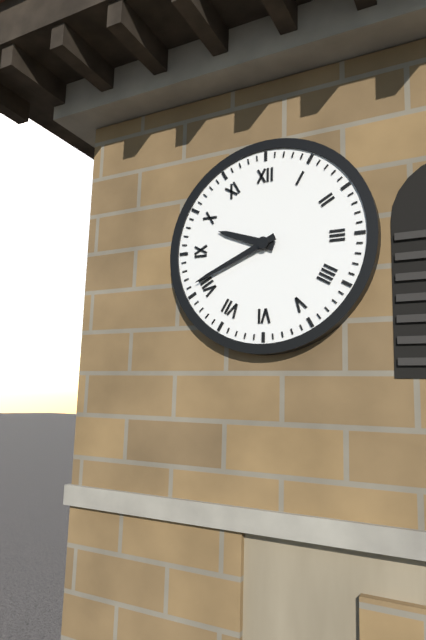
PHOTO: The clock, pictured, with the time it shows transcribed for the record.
9:41
